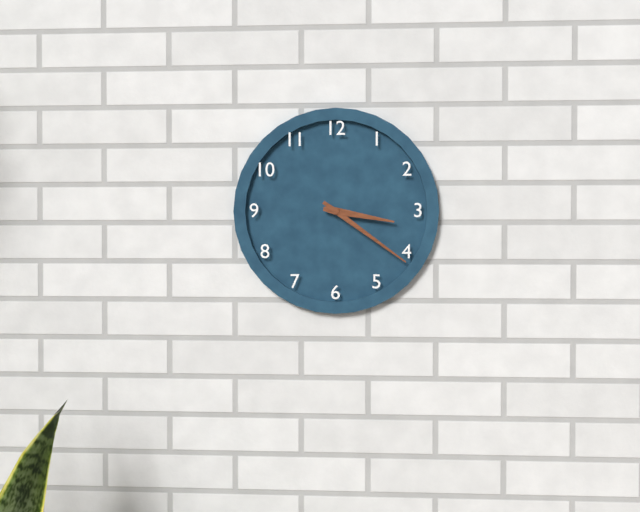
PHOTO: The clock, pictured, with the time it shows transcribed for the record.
3:21
